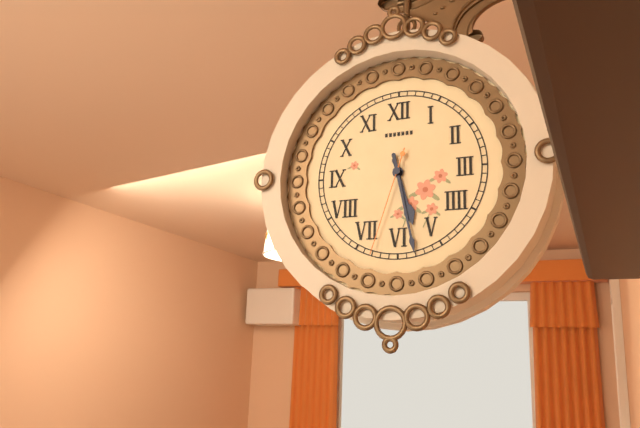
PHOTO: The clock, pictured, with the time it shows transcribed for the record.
5:28:33
